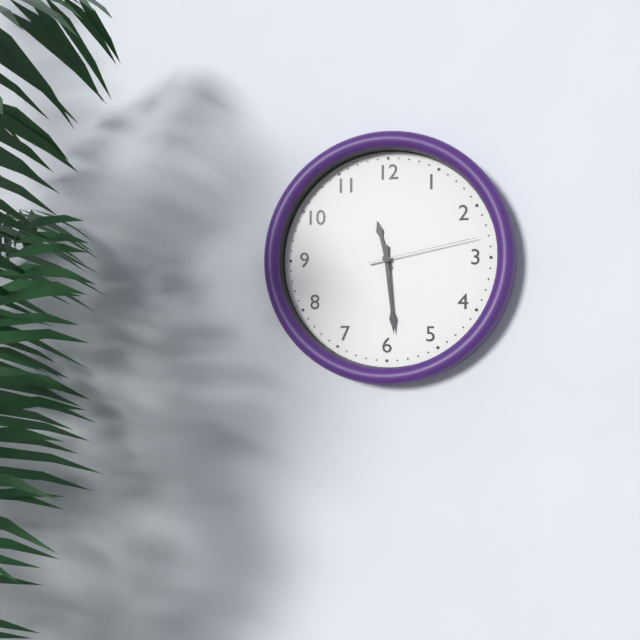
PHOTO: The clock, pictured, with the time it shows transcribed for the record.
11:29:13
